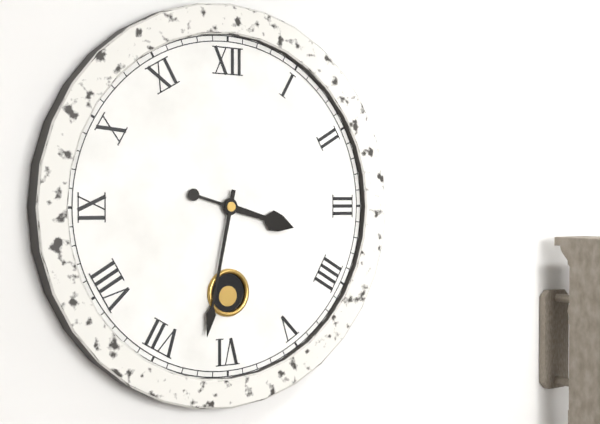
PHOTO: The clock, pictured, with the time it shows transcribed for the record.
3:32
